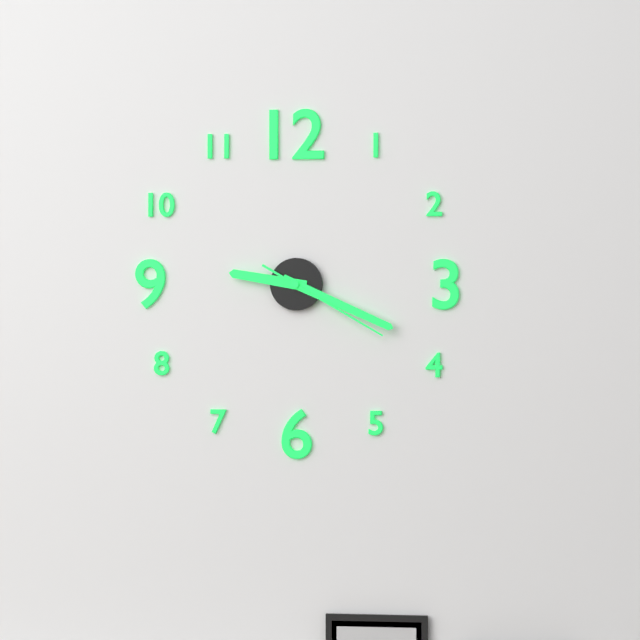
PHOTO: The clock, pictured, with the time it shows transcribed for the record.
9:19:20
